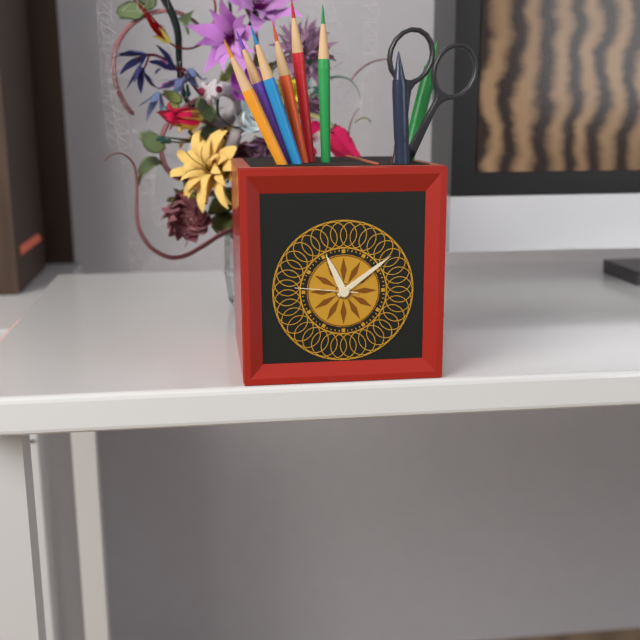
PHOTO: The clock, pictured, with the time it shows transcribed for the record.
11:09:46
